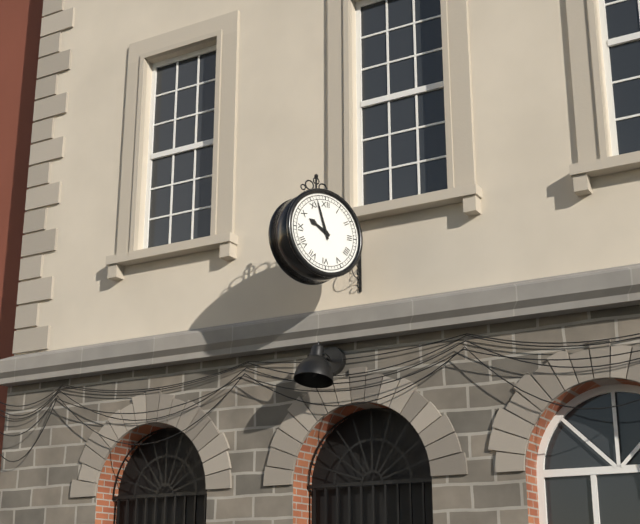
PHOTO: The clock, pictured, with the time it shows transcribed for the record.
9:57
